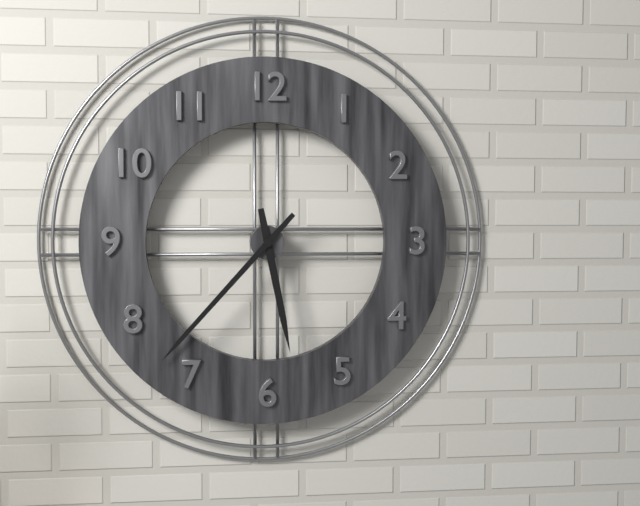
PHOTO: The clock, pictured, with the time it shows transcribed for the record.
5:37
